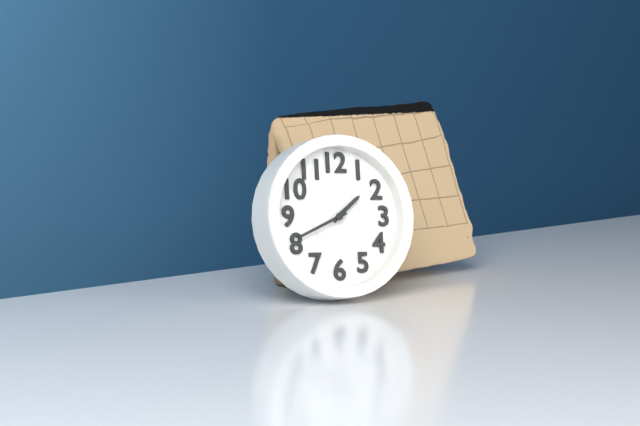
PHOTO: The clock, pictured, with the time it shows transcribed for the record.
1:41
